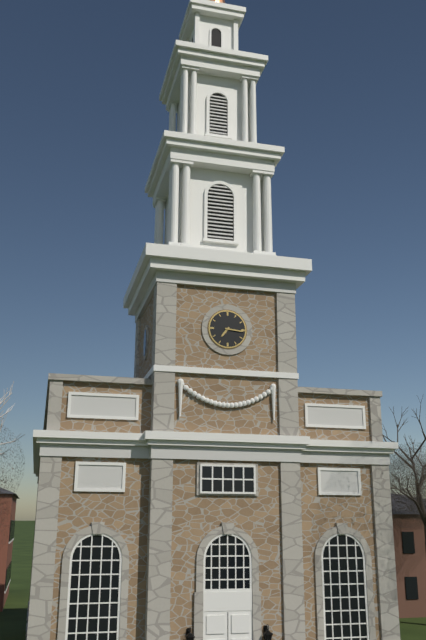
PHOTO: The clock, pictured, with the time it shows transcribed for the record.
7:16
